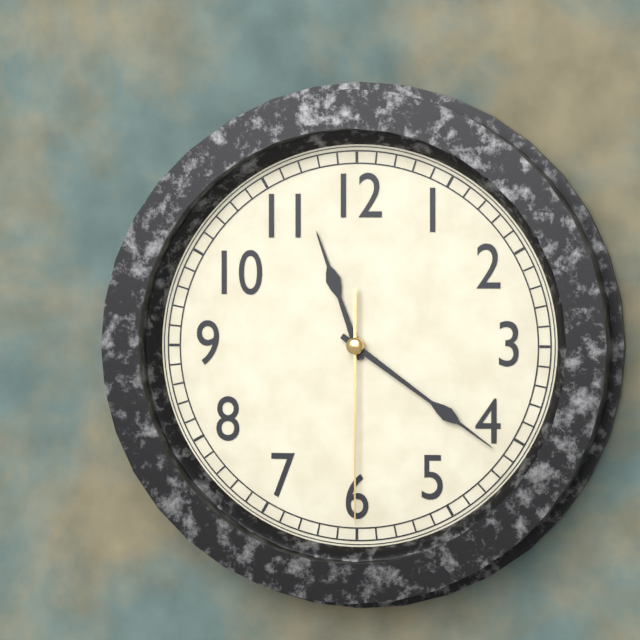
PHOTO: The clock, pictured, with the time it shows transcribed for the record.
11:21:30
